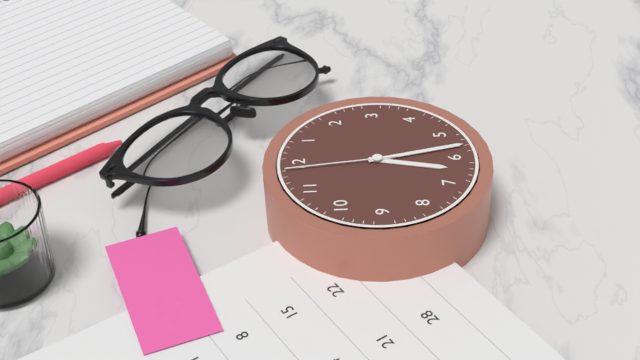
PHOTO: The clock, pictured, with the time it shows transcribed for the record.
6:28:59
